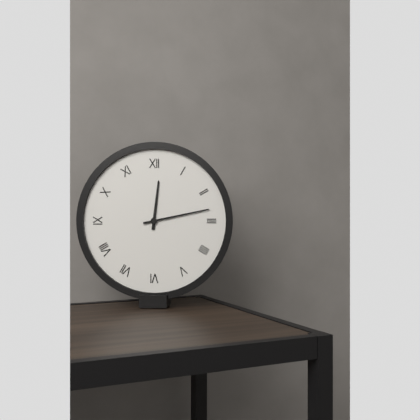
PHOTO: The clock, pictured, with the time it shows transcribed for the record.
12:13
